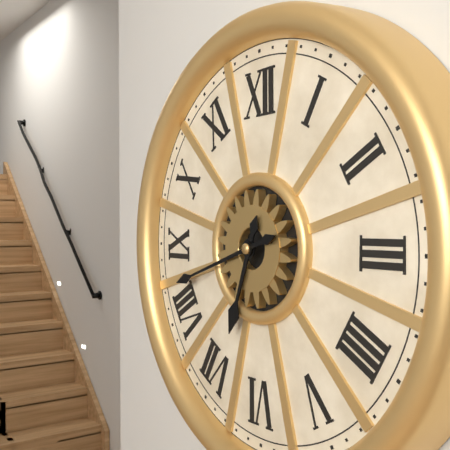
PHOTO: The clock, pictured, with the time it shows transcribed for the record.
6:42
